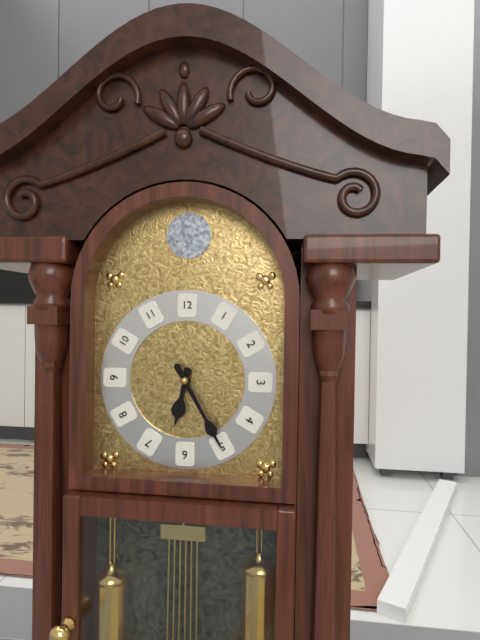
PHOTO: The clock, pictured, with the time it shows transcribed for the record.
6:25
